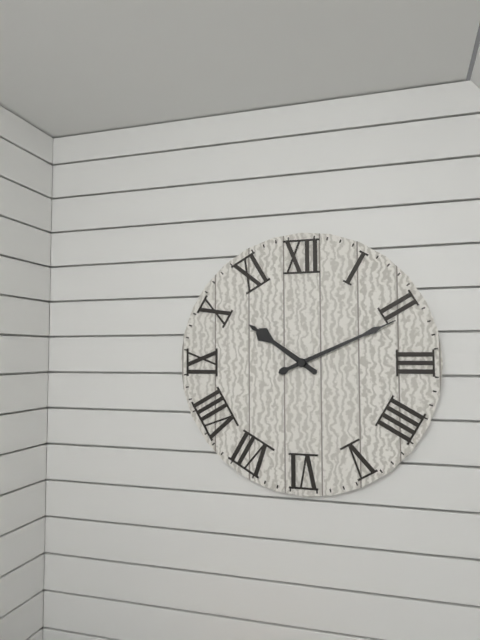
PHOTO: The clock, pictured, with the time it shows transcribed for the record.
10:11
